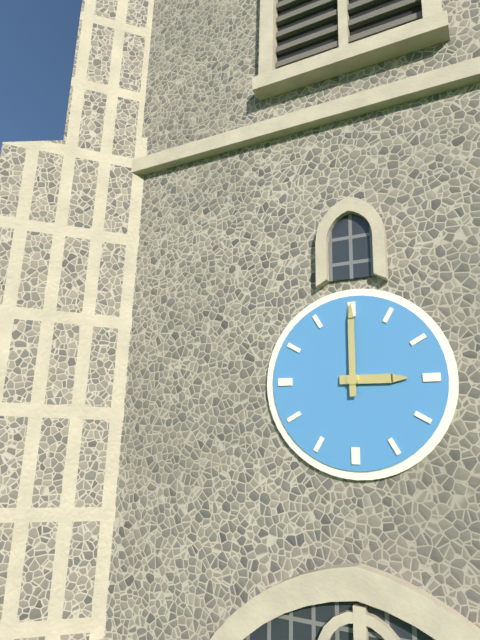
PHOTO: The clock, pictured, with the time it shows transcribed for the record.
3:00
